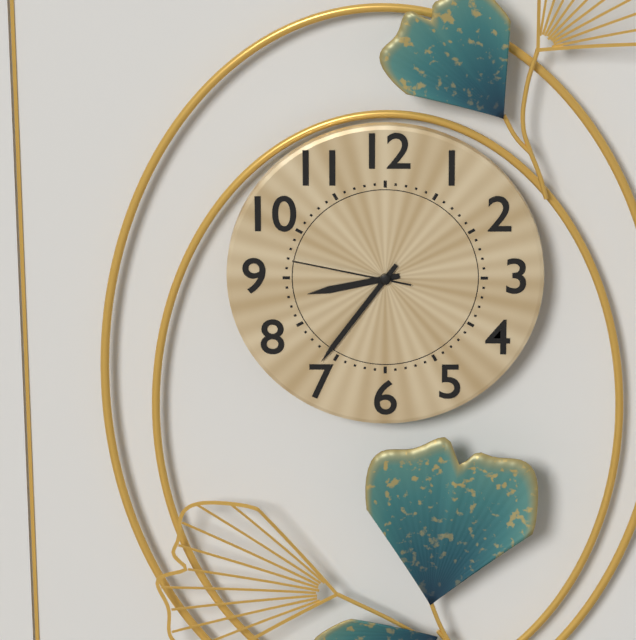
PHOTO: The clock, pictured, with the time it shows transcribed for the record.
8:36:47
